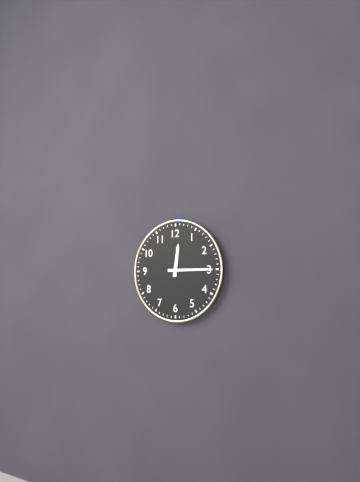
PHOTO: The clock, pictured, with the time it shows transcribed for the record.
12:15
